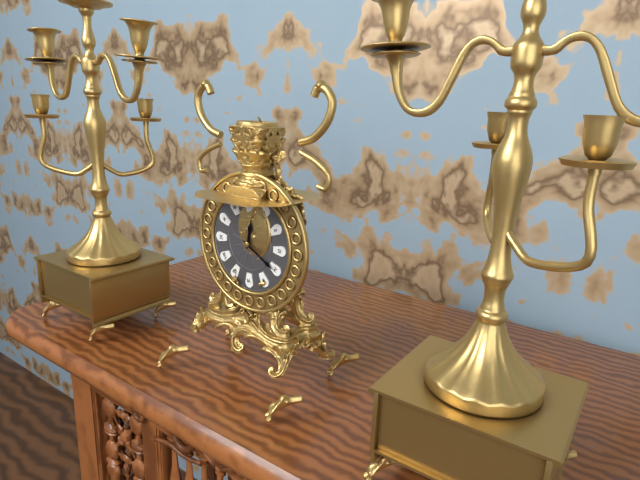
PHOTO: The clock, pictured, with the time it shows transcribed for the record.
12:20
